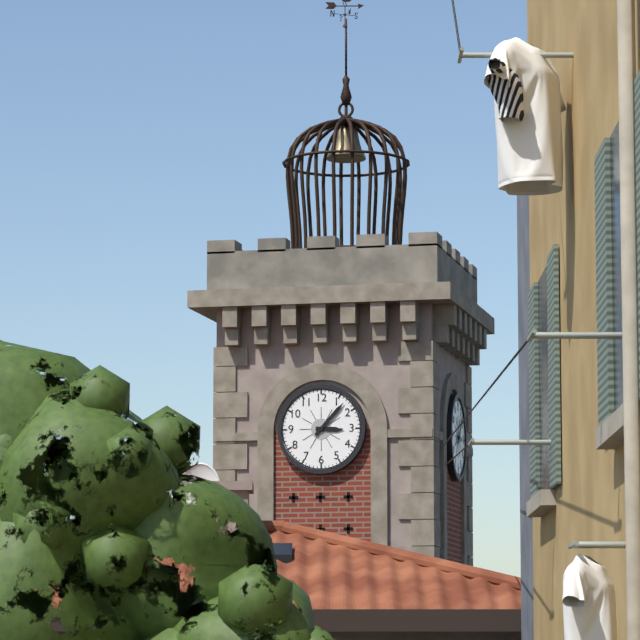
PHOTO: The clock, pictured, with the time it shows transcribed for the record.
3:07
